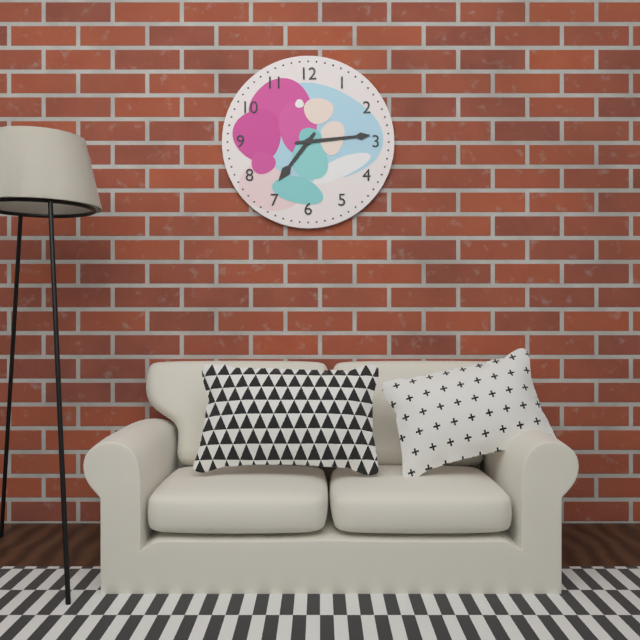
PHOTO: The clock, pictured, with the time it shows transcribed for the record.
7:14
